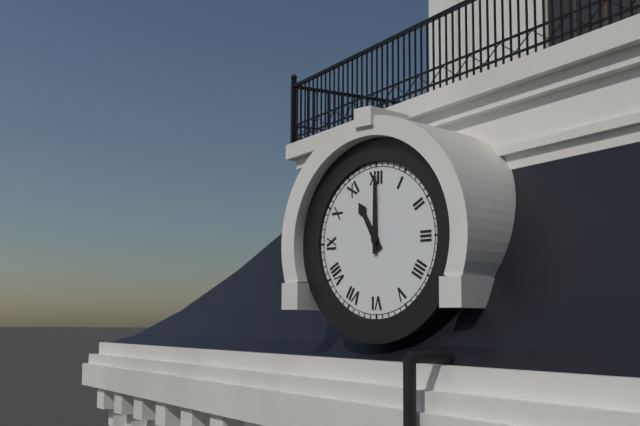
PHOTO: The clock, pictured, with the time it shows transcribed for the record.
11:00
